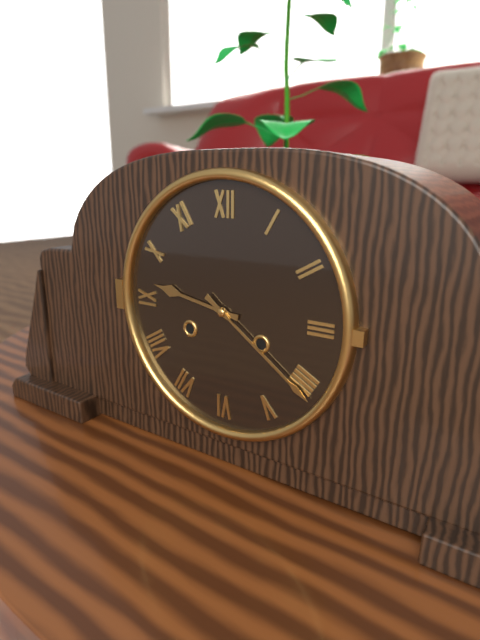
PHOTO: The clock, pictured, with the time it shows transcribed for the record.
9:21
